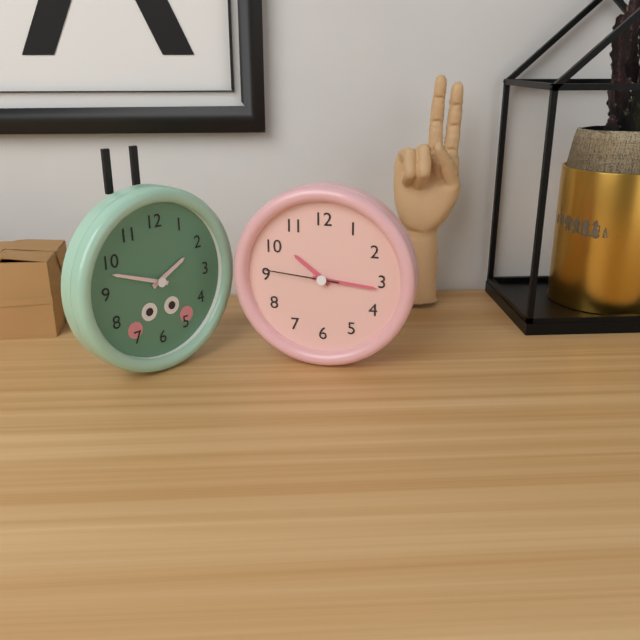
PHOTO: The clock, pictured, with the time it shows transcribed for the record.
10:16:46
